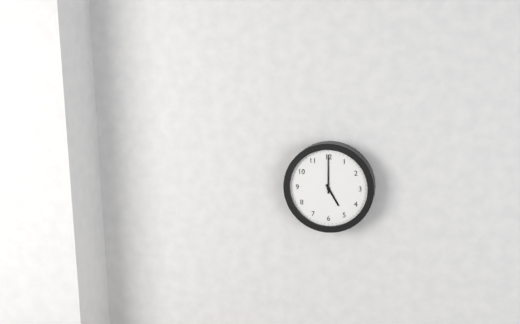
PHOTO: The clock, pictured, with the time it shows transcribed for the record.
5:00
